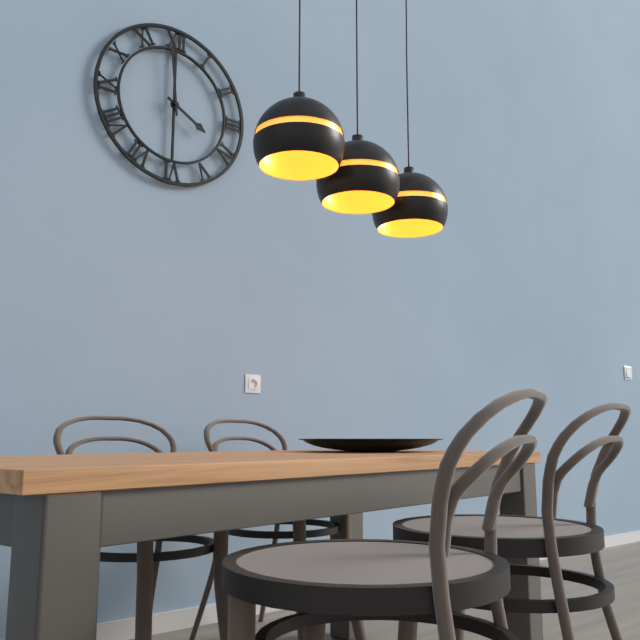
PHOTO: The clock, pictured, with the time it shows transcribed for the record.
3:59
